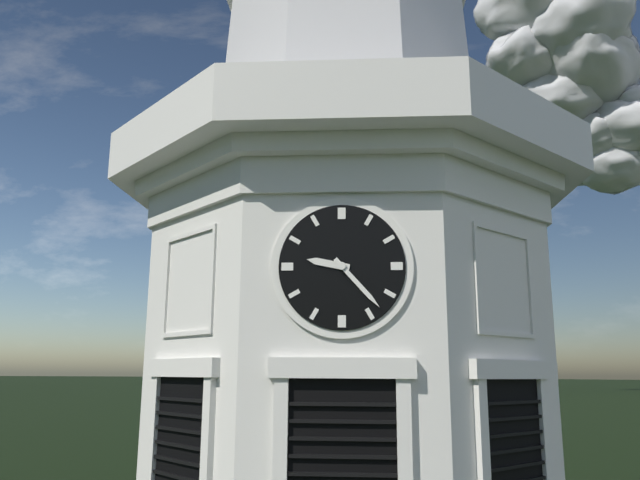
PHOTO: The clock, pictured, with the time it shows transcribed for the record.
9:23
